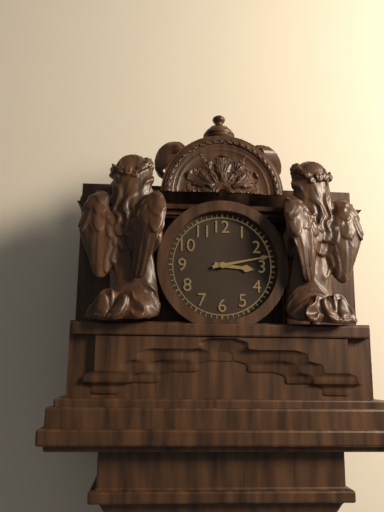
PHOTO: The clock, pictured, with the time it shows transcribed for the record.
3:13
